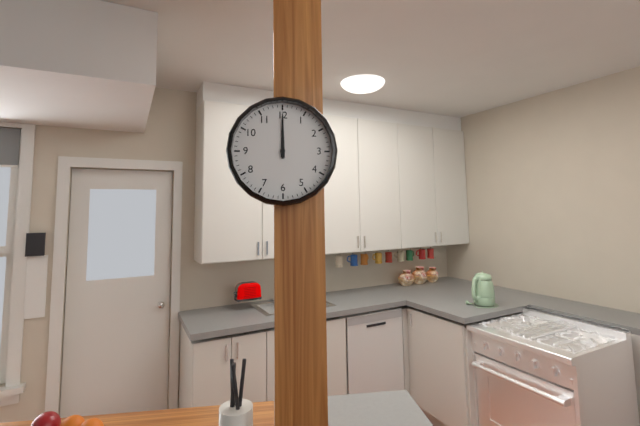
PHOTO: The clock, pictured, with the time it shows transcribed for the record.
12:00
